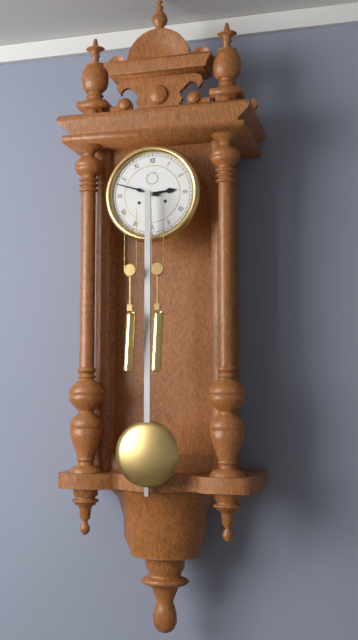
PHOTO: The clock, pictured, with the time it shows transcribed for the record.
2:48
